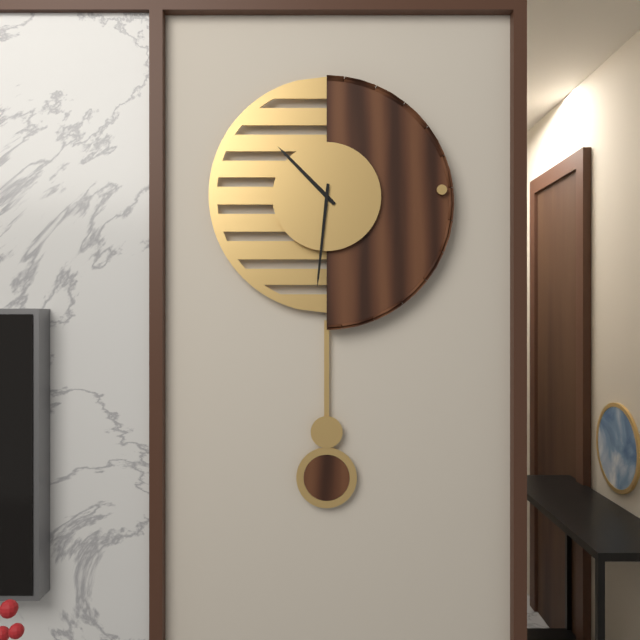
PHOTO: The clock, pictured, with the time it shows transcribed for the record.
10:31
